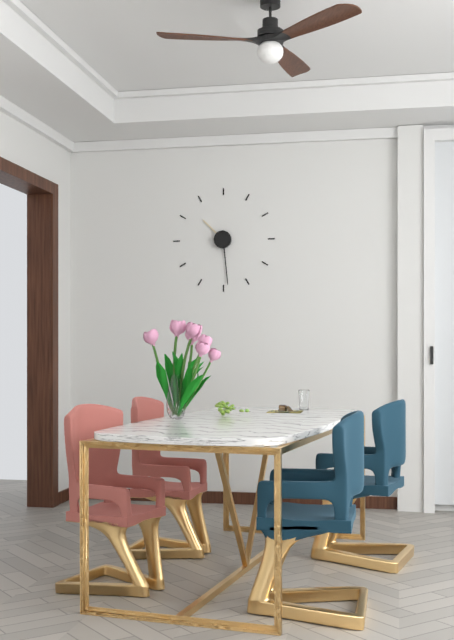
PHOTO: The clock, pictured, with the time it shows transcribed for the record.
10:29
